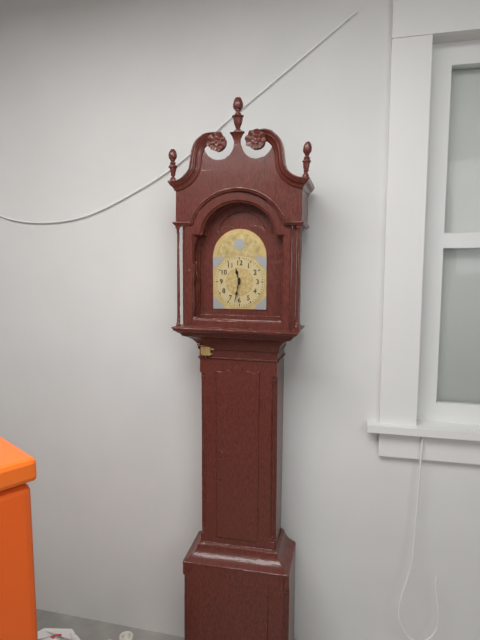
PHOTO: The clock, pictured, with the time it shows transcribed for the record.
11:32
